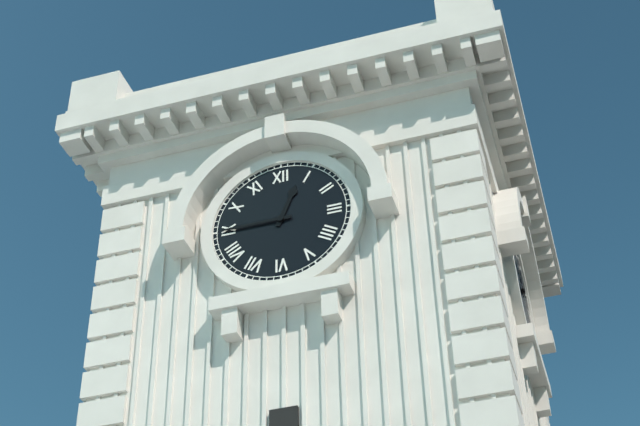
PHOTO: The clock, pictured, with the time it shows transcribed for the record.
12:45
